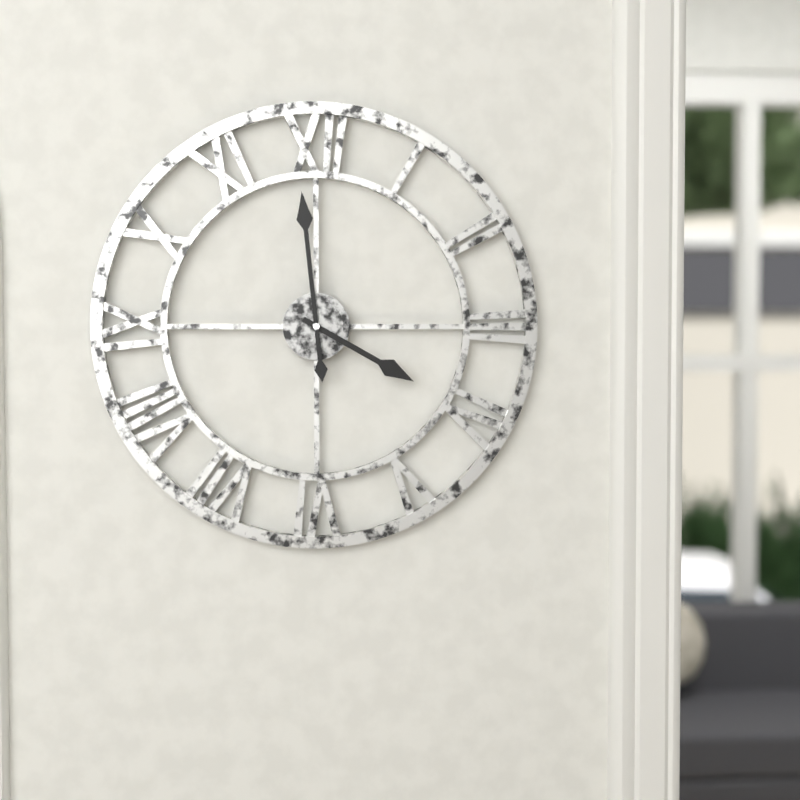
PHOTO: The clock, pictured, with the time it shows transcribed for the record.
3:59
